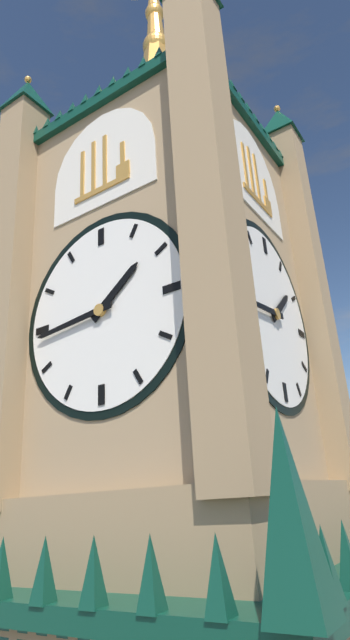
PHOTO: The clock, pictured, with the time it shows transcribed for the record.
1:44
